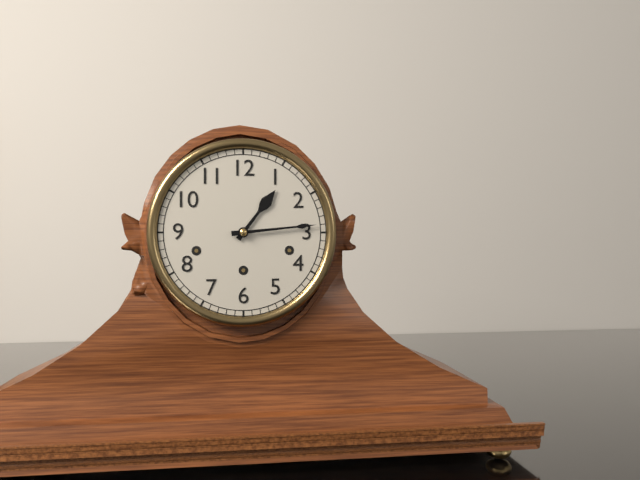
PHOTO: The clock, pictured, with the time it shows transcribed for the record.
1:14
